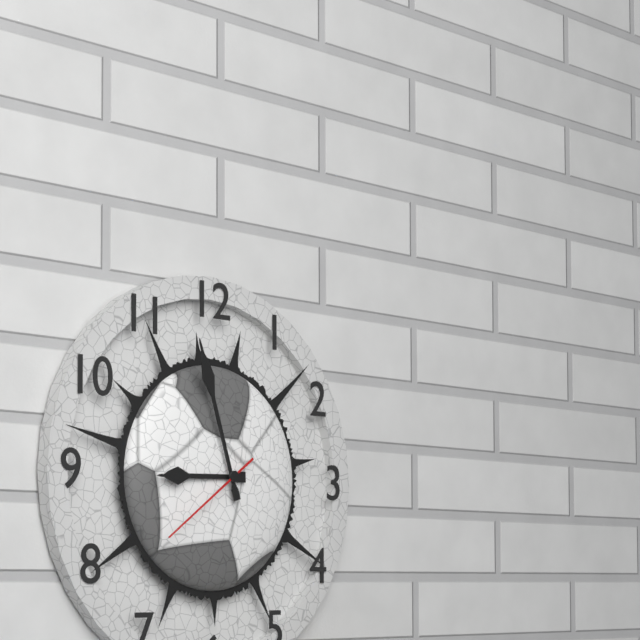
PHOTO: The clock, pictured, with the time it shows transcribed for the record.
8:57:39
